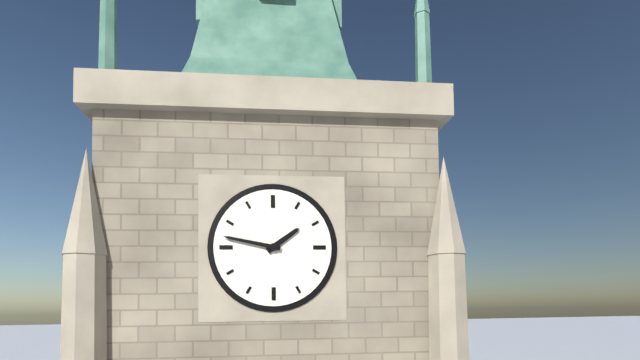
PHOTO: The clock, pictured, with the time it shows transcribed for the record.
1:47
